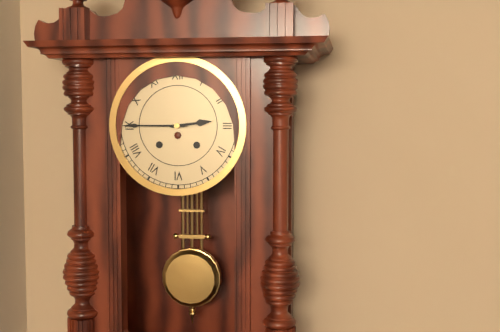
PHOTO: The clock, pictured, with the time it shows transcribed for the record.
2:45
